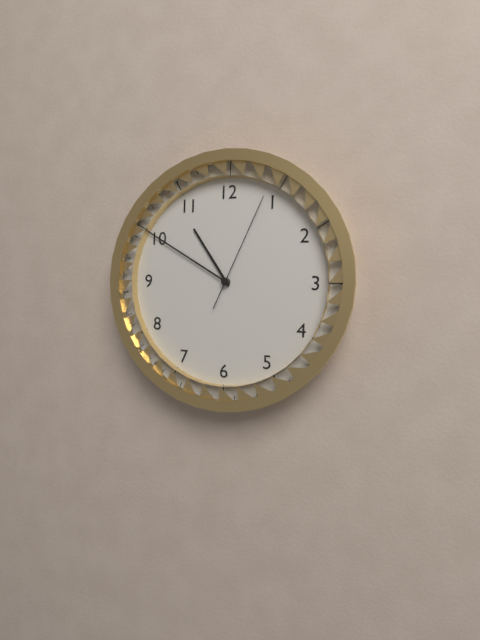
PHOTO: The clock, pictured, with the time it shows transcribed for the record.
10:50:04
